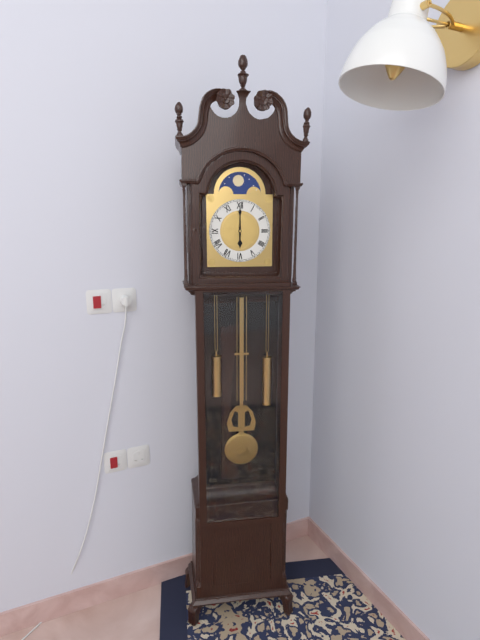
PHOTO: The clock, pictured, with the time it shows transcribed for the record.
6:00
